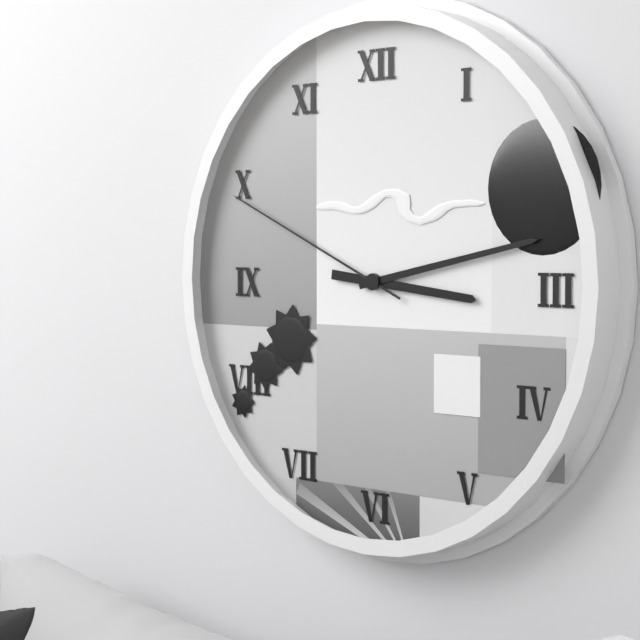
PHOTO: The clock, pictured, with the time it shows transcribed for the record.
3:13:49
